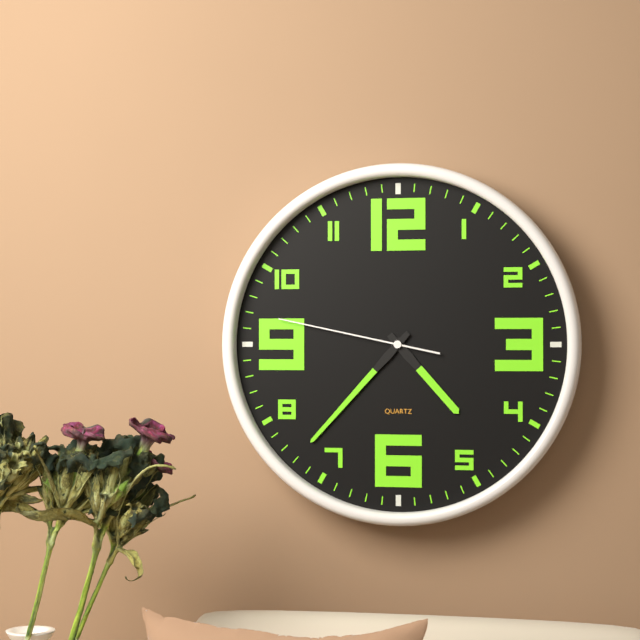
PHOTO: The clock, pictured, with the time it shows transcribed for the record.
4:37:47
